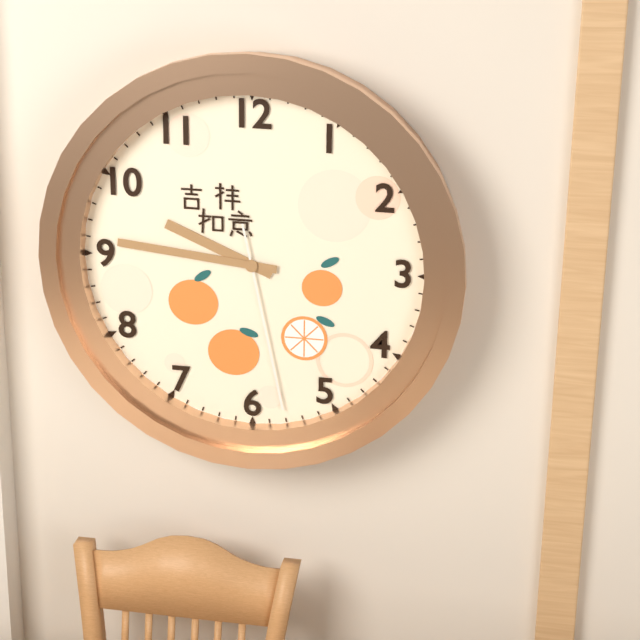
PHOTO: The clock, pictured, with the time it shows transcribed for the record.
9:46:28
